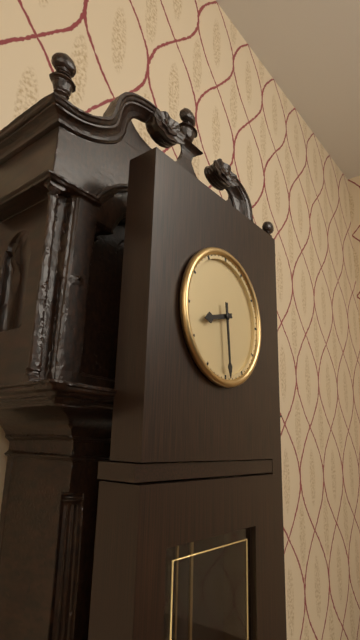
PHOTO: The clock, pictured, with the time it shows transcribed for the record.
8:29
